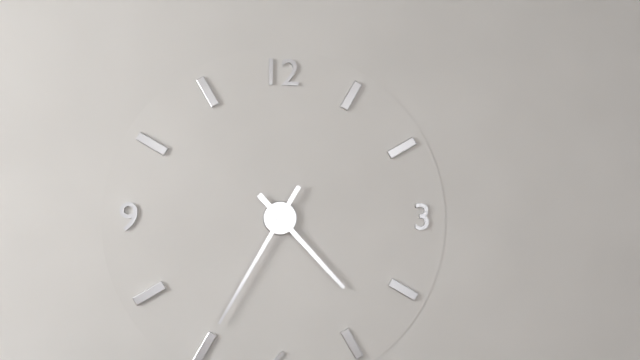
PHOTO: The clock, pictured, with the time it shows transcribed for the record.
4:35
